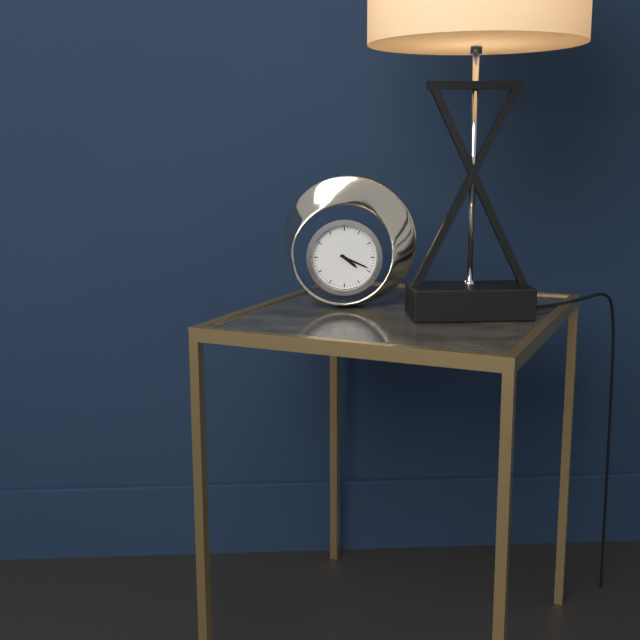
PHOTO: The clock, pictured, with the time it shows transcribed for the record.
4:19
